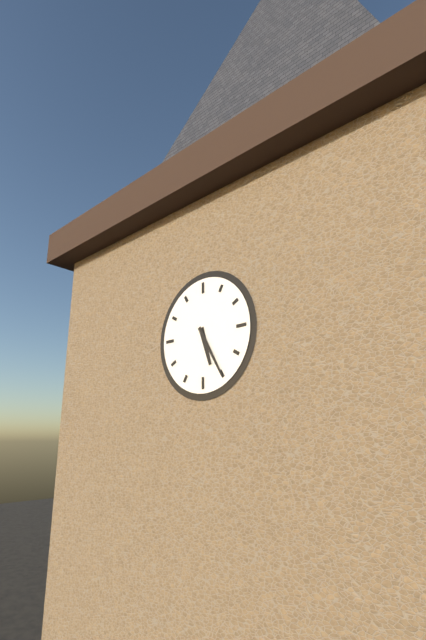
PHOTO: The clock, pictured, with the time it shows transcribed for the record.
5:25
